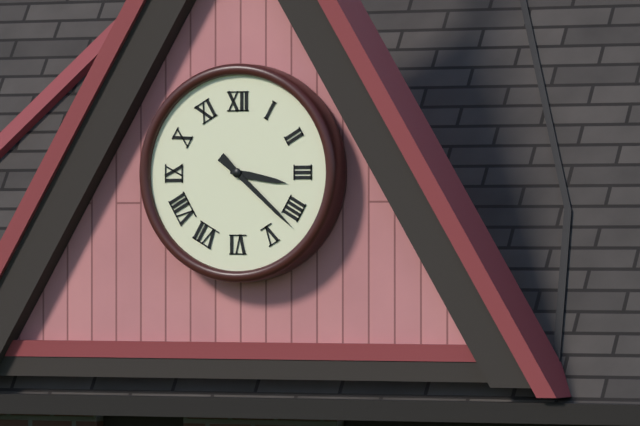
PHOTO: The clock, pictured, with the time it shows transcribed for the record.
3:22
